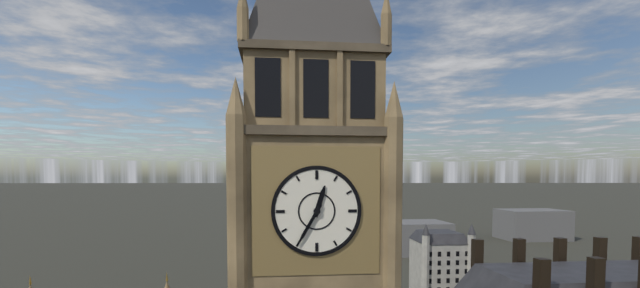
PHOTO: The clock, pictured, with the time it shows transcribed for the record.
12:35
